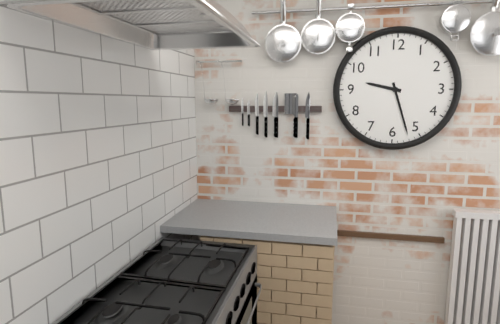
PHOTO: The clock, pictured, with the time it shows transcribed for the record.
9:27
